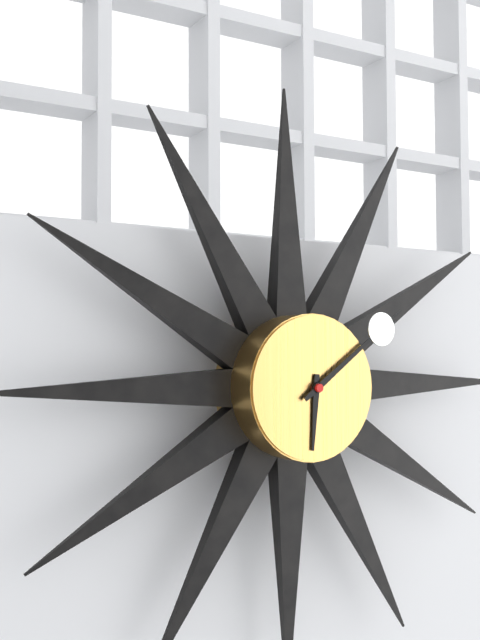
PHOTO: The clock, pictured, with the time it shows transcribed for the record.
6:09
